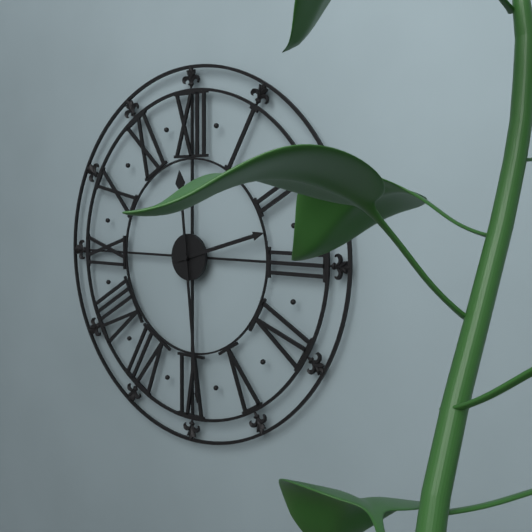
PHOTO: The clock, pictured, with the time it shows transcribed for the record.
2:29
